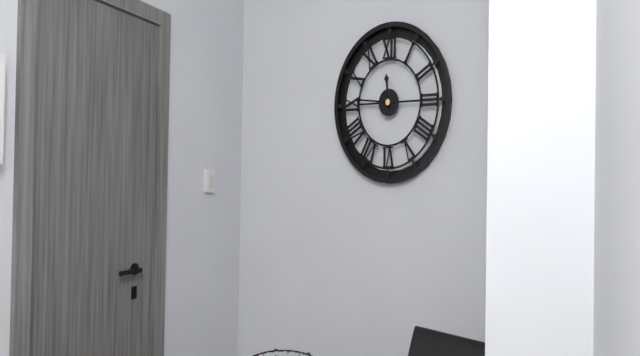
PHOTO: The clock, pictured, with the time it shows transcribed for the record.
11:46
